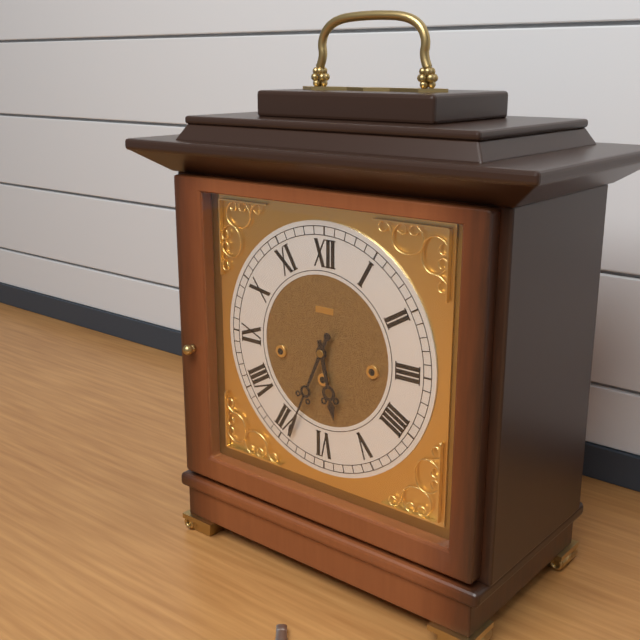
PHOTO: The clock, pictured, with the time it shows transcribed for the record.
5:34
